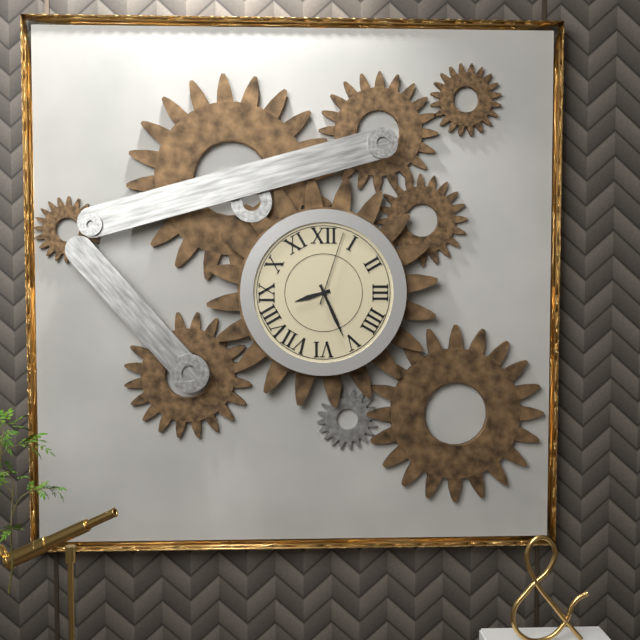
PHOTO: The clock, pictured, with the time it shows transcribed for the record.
8:26:03
